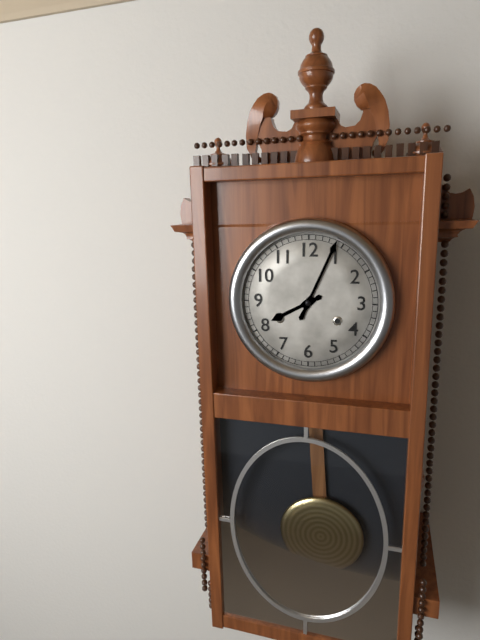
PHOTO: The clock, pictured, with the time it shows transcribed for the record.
8:04
